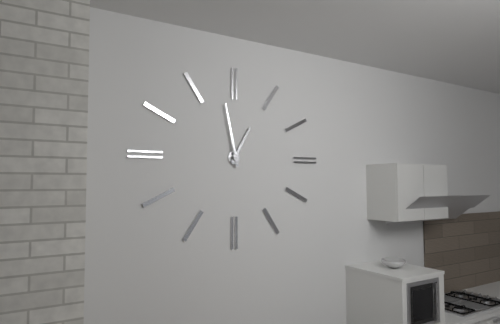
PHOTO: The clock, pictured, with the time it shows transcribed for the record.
12:58
